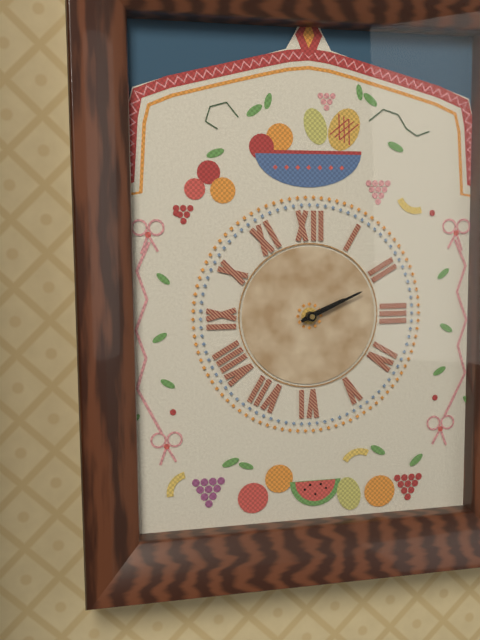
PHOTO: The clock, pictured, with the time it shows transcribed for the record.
2:11
